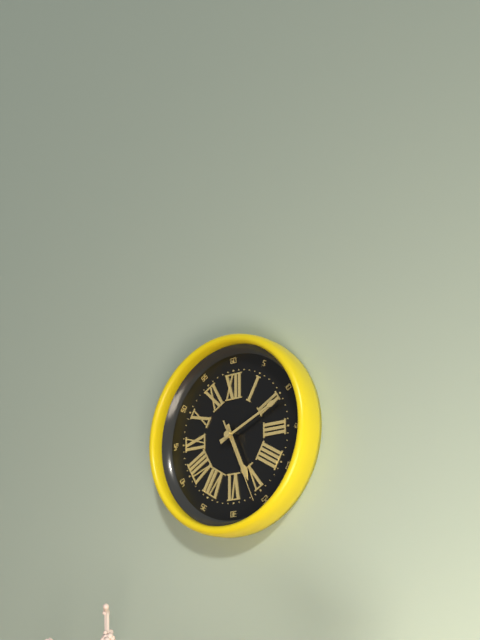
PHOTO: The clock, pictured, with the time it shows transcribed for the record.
5:11:26
